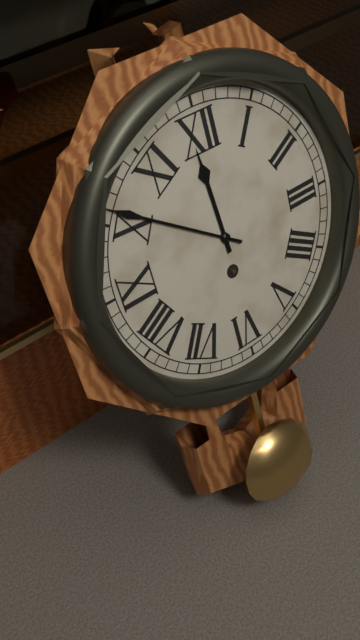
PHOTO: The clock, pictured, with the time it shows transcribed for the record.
11:51
